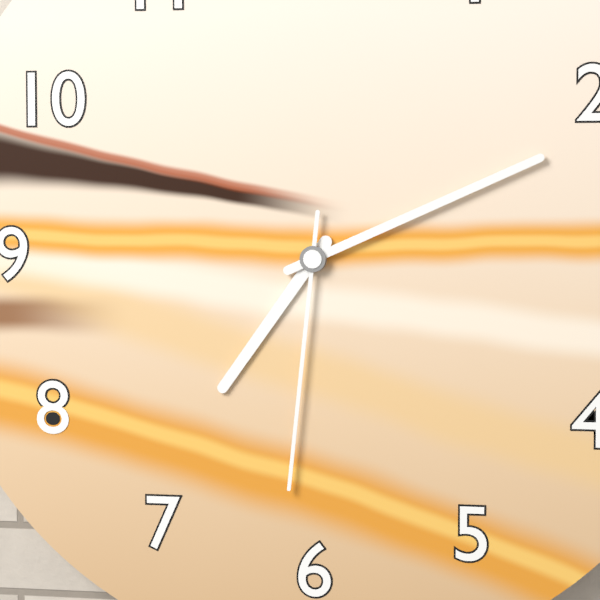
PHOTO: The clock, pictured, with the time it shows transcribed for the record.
7:11:31
